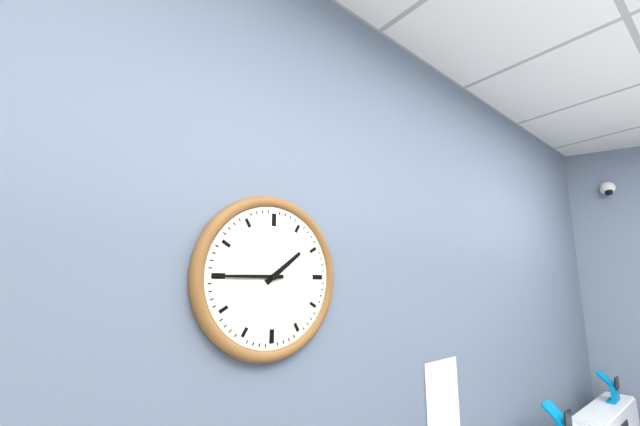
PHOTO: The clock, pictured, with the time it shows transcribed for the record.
1:45
